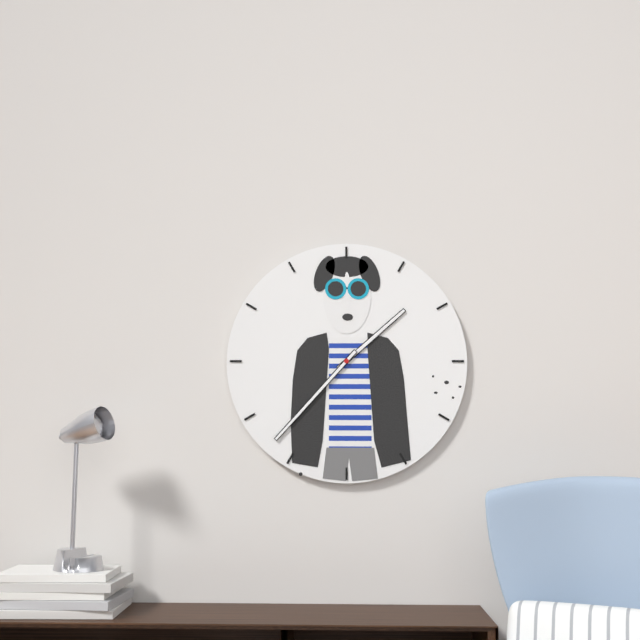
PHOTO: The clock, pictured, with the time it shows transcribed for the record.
1:37
